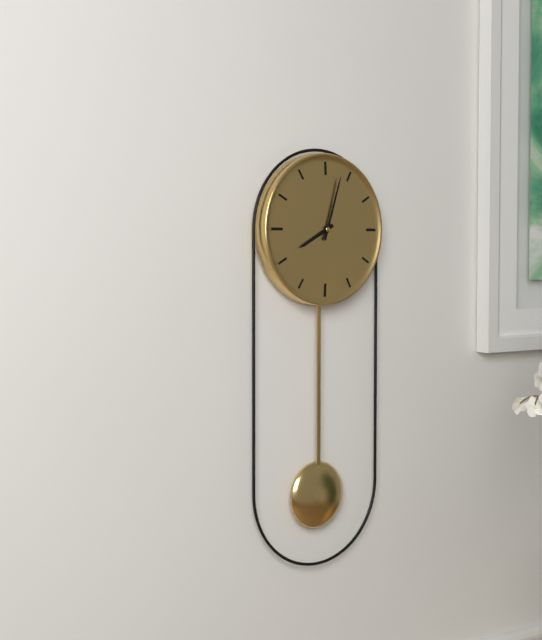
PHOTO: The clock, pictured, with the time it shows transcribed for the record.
8:03
